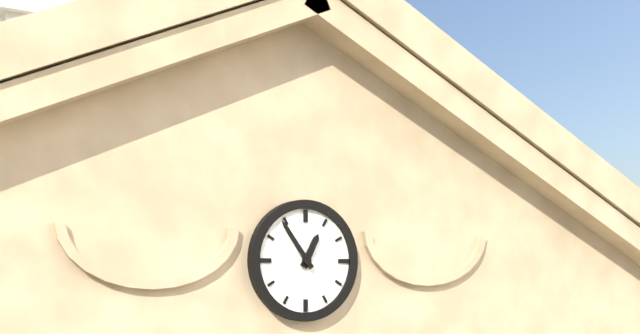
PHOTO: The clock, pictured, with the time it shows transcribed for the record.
12:54
